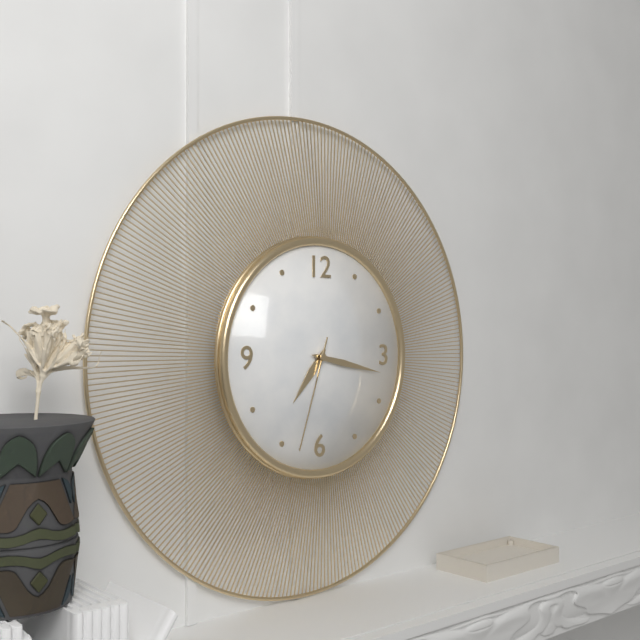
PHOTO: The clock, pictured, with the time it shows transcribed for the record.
7:17:33
